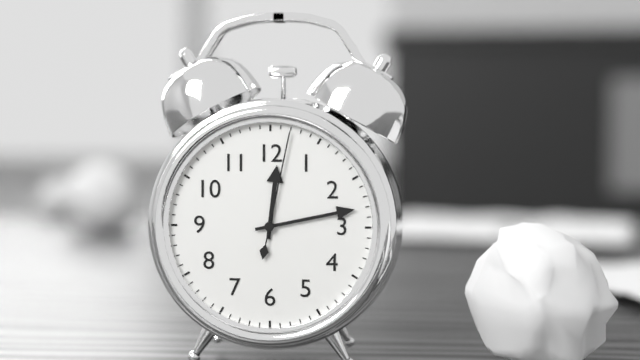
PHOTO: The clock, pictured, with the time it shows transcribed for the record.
12:13:02
